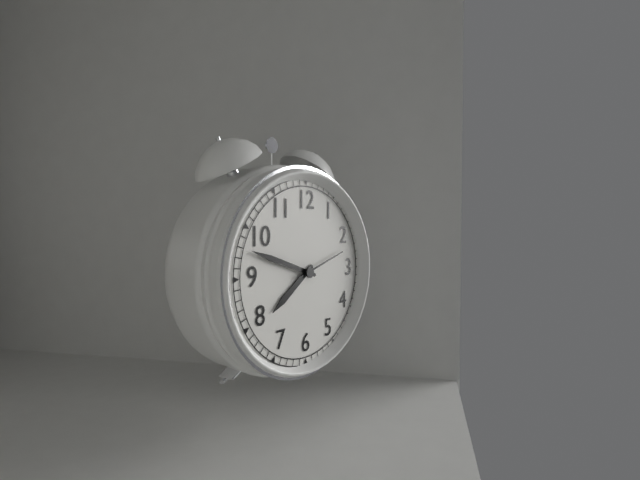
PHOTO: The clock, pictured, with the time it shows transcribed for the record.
7:48:12
